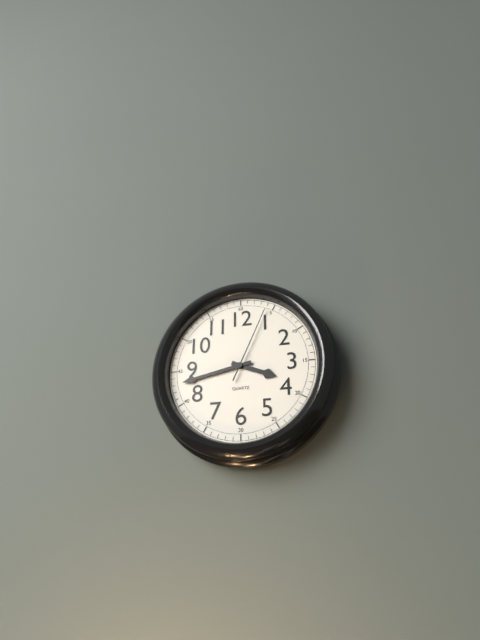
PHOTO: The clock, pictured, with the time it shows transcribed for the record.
3:43:04
